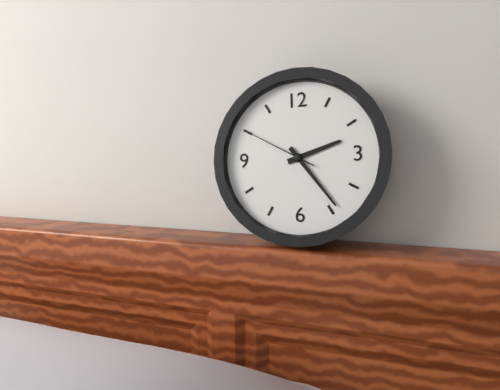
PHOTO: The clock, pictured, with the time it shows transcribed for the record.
2:24:50
